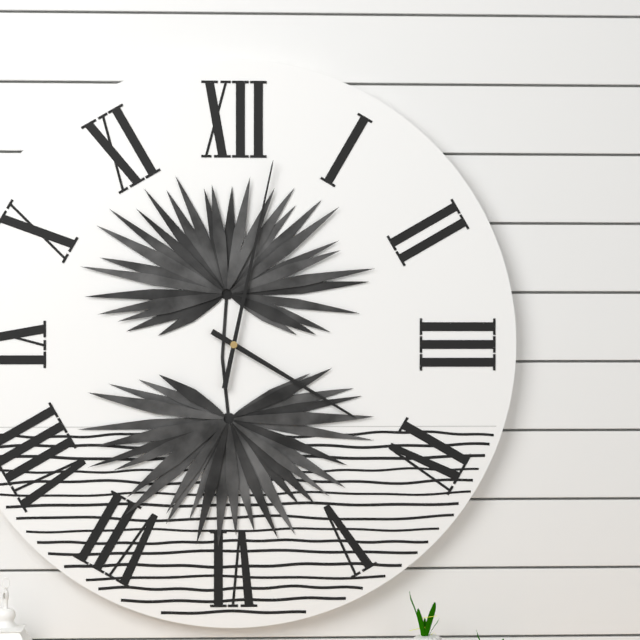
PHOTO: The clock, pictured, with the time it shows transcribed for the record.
4:02
